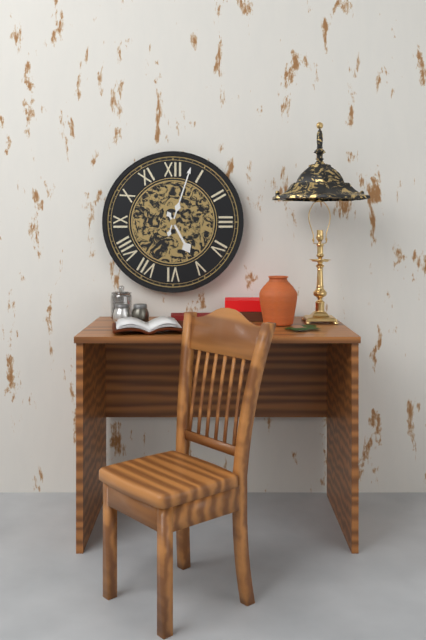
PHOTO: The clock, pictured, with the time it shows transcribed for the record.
5:03
